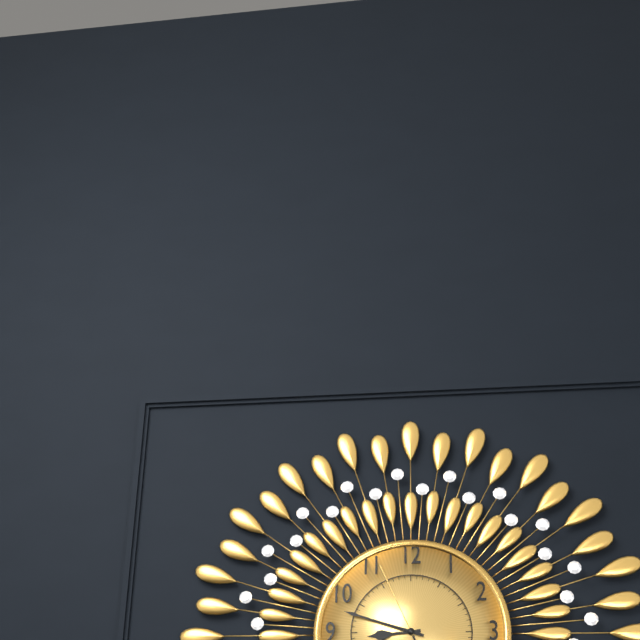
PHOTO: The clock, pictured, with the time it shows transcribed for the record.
8:48:56
